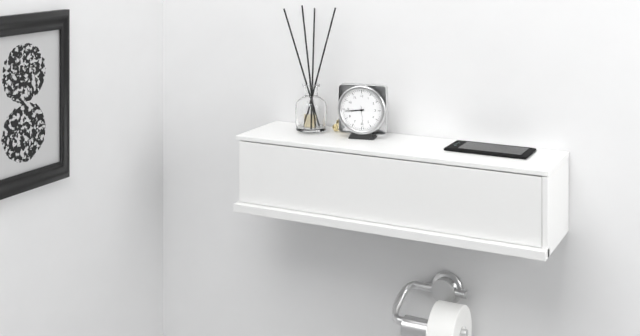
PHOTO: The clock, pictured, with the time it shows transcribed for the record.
8:44
